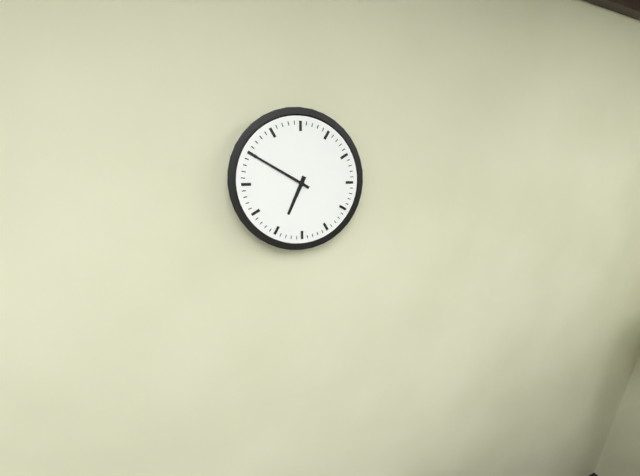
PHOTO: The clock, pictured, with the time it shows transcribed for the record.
6:50
